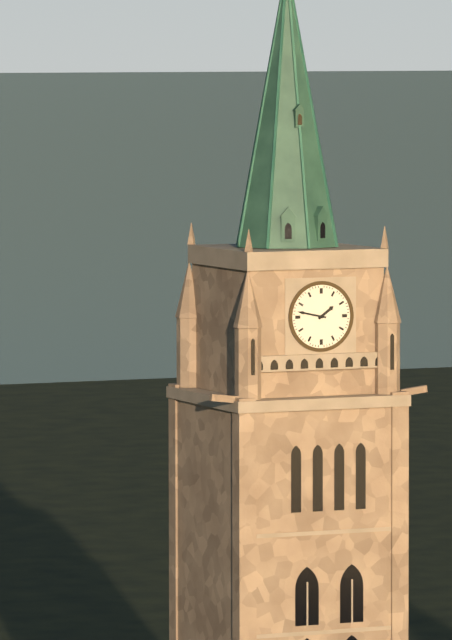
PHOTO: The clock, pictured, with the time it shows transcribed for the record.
1:47
